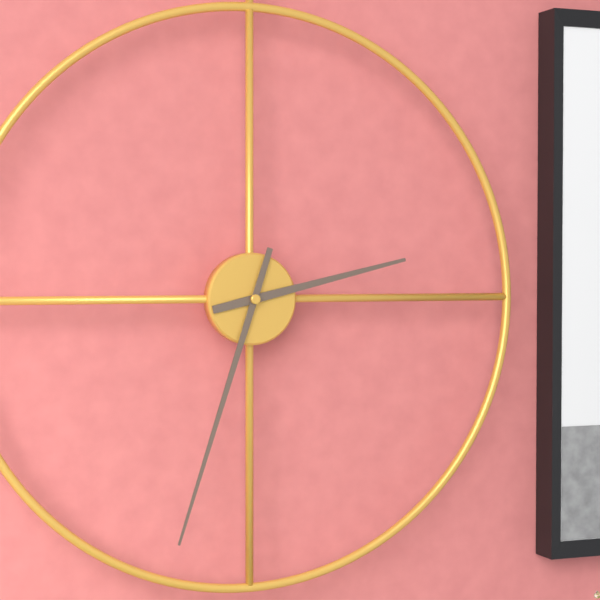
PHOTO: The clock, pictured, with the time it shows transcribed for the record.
2:33
